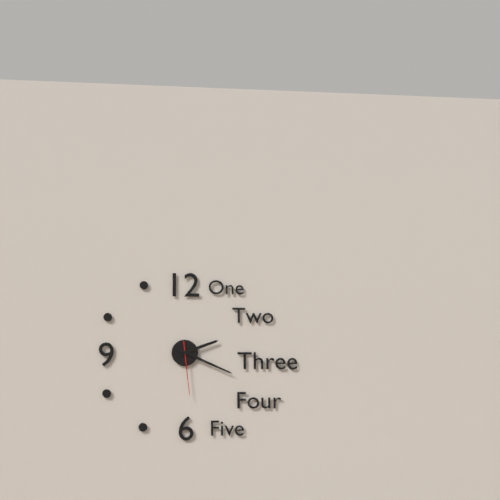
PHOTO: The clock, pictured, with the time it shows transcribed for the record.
2:19:29
